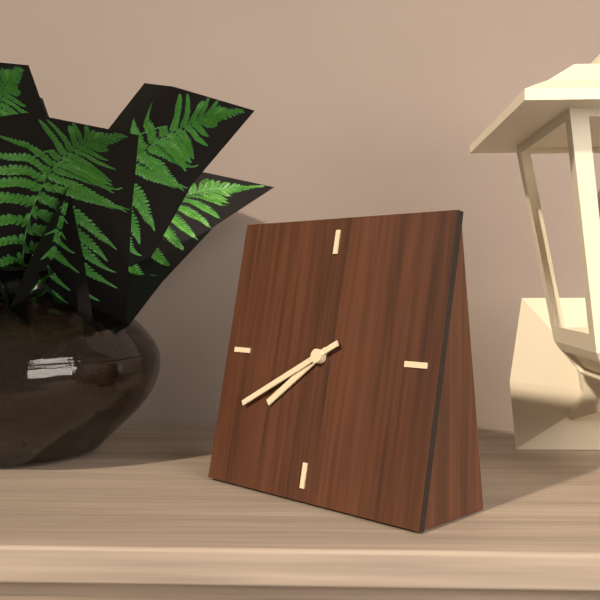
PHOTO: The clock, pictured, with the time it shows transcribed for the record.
7:40
